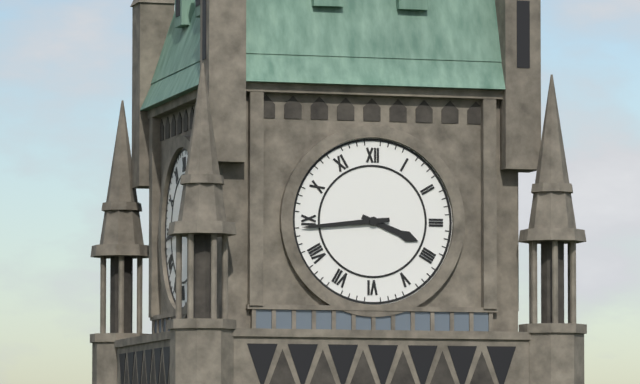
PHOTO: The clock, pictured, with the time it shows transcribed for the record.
3:44
